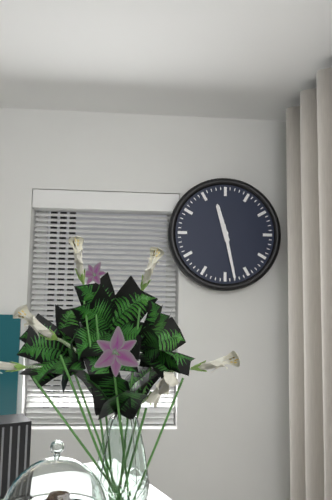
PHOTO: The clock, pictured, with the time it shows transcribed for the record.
11:28
